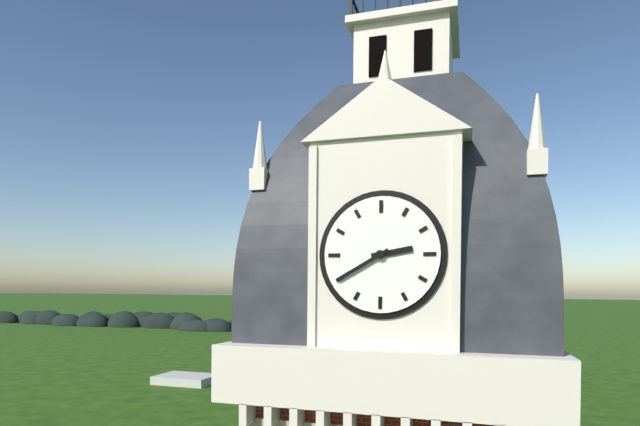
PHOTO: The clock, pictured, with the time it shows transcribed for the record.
2:40
